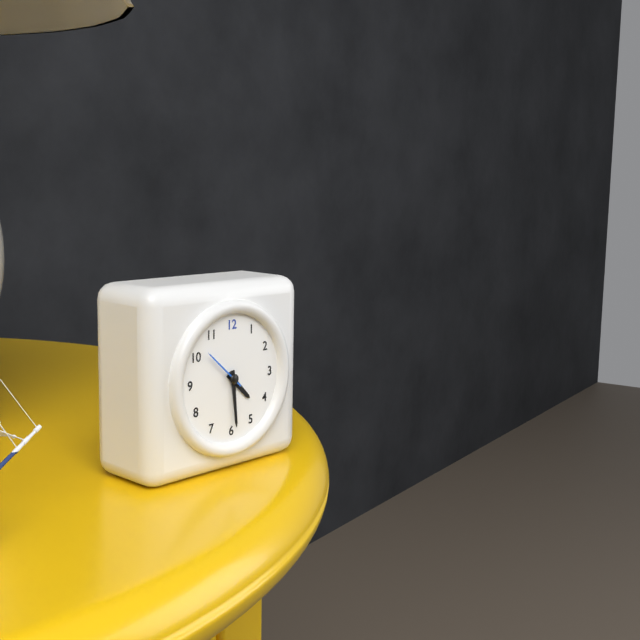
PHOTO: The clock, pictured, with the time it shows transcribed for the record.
4:29
